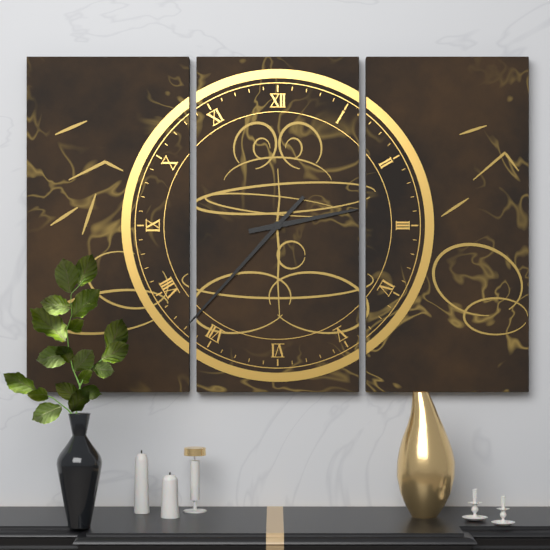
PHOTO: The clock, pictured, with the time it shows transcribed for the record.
2:37
